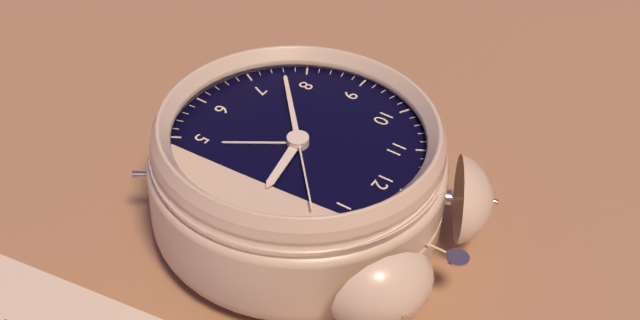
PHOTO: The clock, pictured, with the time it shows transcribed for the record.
2:38:08
